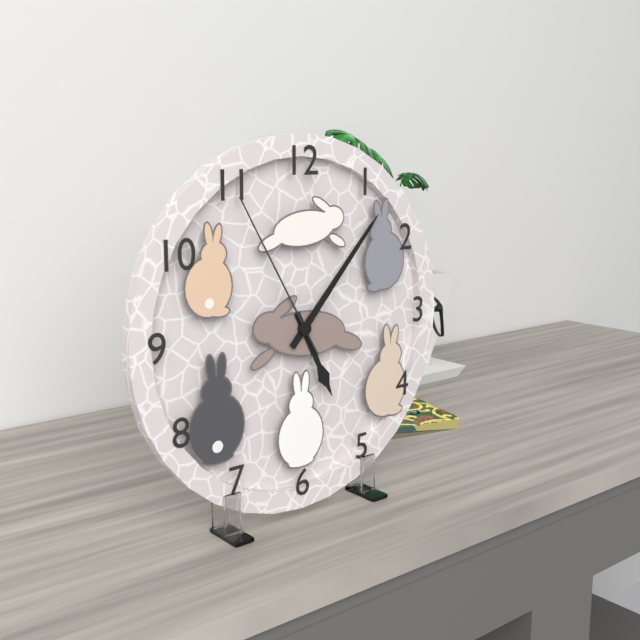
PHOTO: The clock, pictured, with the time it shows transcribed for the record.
5:07:55
